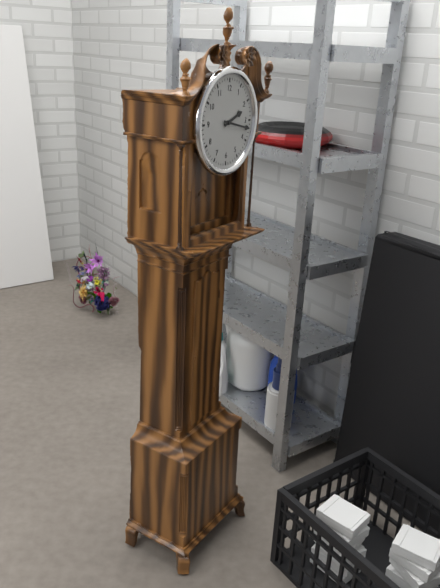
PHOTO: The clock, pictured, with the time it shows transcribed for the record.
2:17
